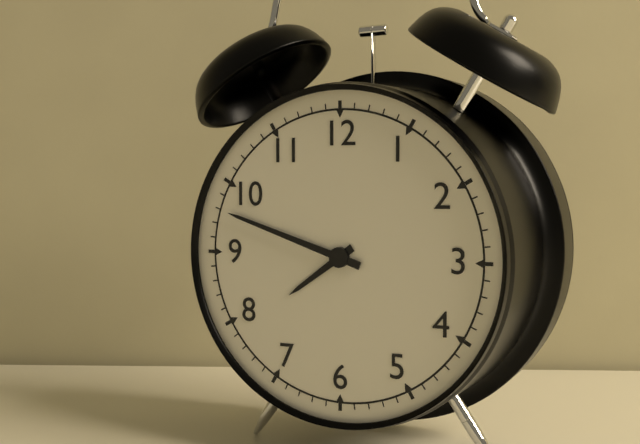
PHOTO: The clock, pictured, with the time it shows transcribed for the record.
7:48
